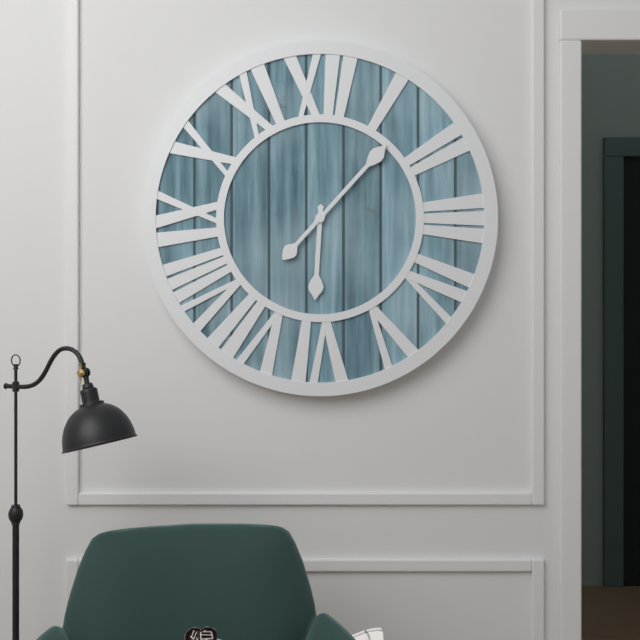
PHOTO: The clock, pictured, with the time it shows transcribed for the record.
6:07
